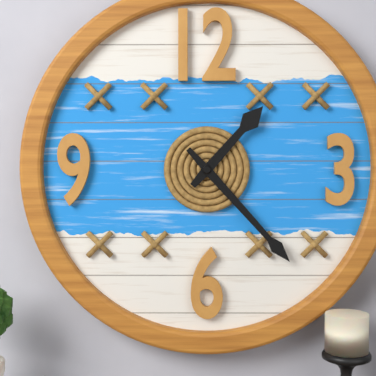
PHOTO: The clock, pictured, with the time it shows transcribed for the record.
1:23
